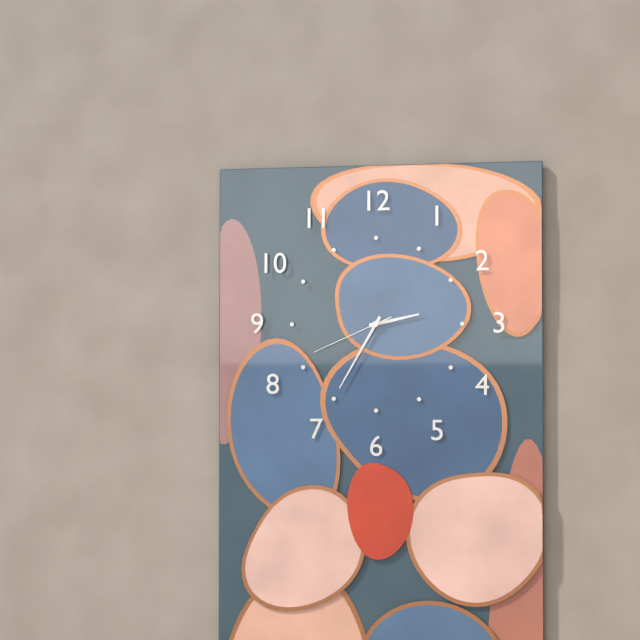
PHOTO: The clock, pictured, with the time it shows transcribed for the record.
2:35:41
